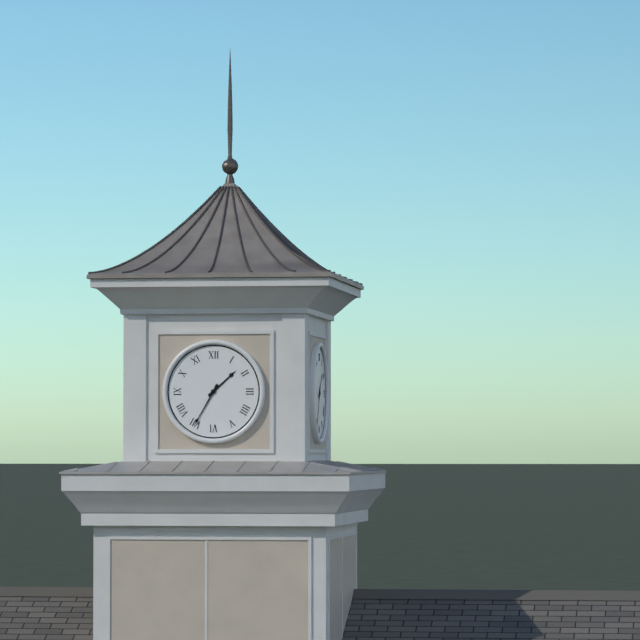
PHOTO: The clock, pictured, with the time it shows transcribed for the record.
1:35
